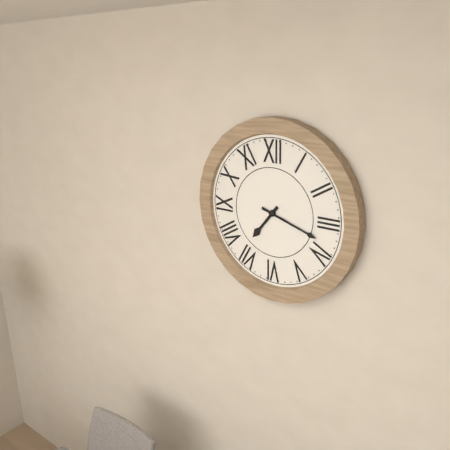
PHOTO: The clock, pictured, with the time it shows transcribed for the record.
7:18
